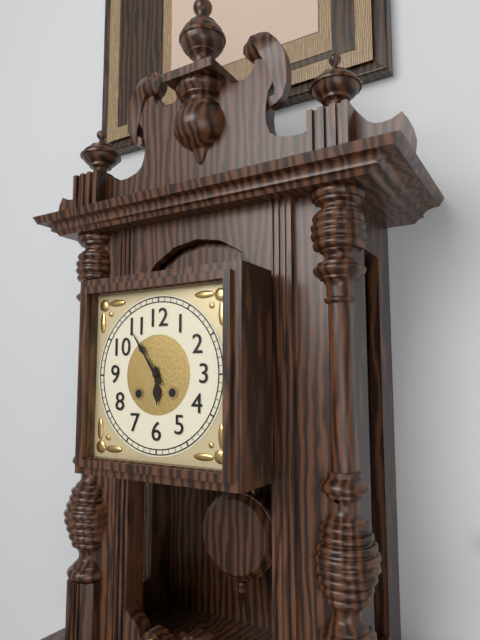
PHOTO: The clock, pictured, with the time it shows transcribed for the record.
5:54
